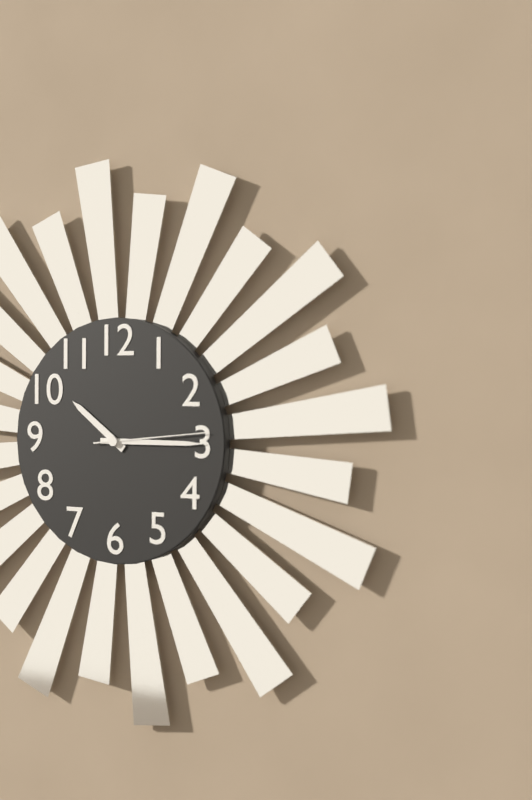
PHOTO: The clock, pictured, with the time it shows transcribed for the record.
10:15:14
